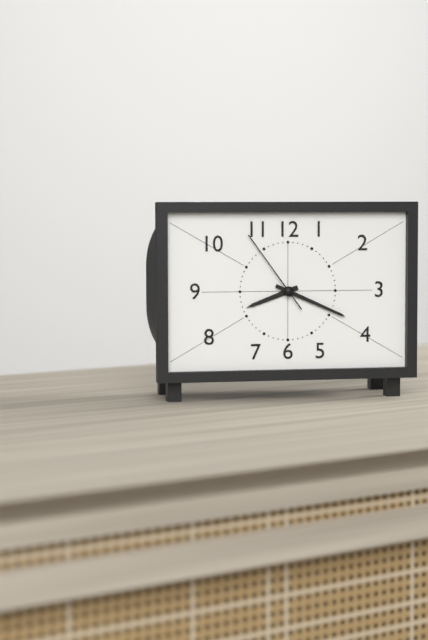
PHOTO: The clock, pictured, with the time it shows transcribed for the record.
8:19:54
